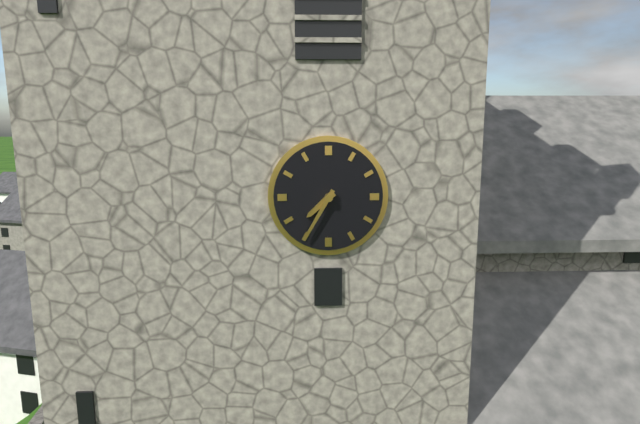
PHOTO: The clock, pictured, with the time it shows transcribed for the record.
7:35
